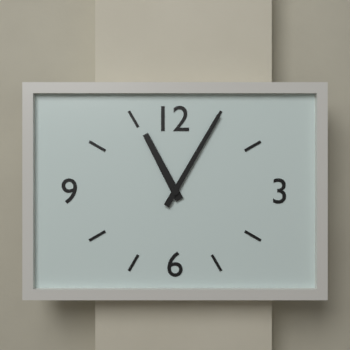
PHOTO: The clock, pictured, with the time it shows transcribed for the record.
11:05
